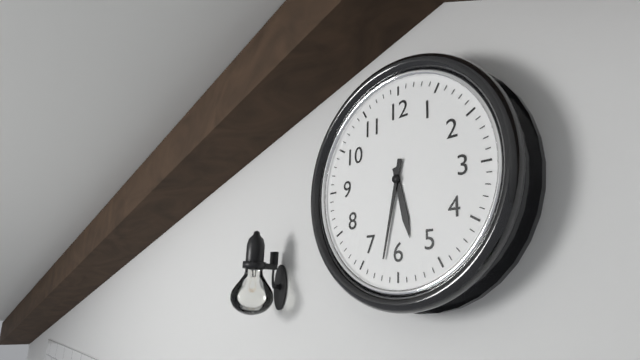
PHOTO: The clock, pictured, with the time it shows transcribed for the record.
5:32
